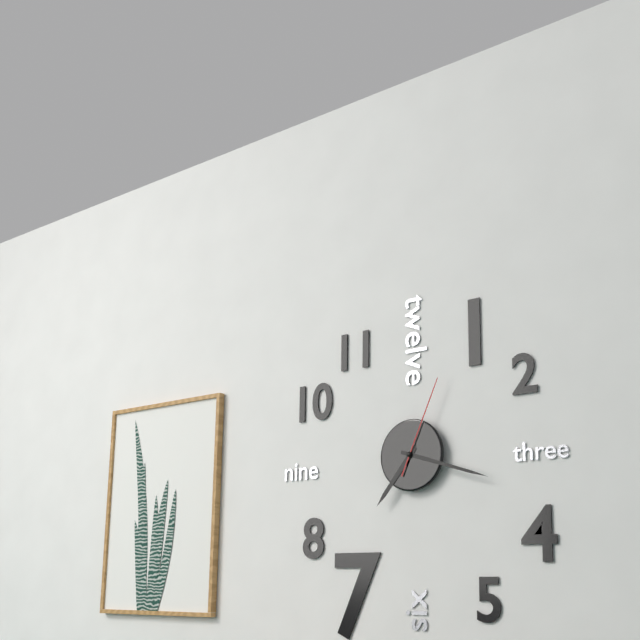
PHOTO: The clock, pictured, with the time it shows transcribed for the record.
7:18:04
